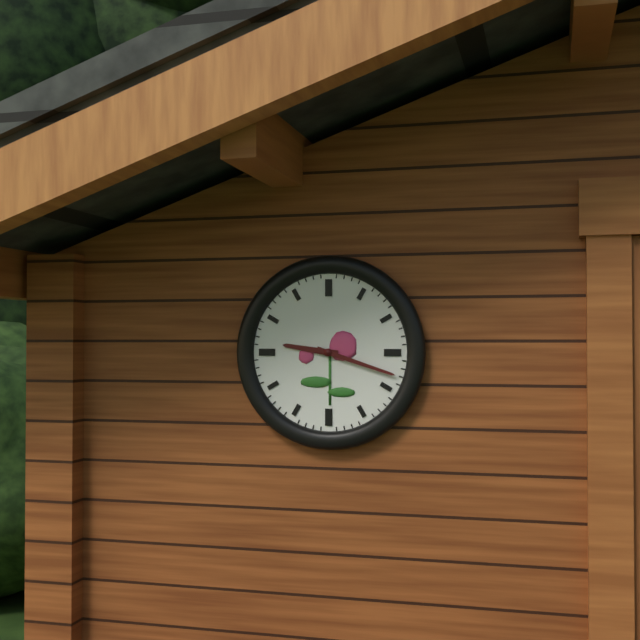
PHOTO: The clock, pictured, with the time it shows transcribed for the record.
9:18
